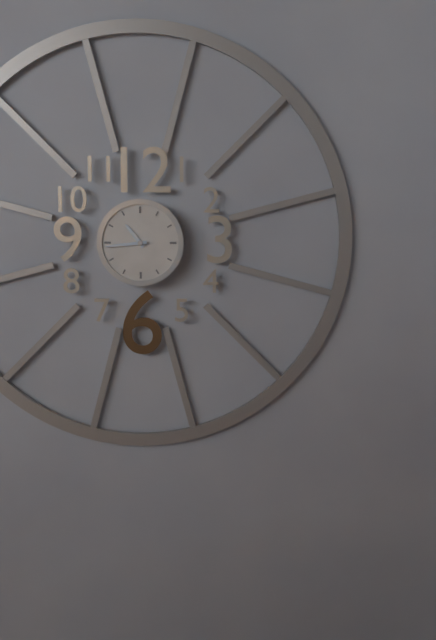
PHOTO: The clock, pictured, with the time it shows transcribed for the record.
10:44
